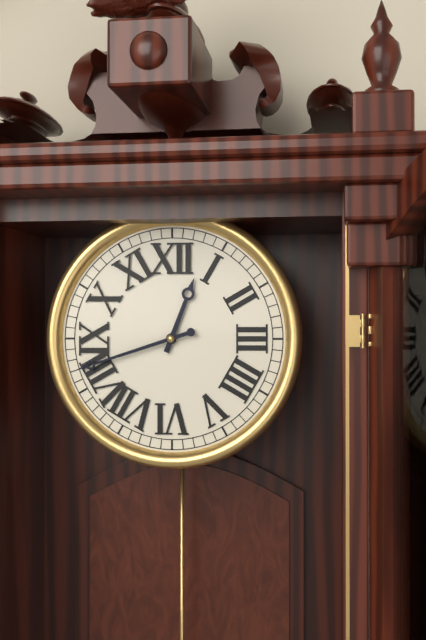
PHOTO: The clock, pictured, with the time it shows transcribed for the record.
12:42
